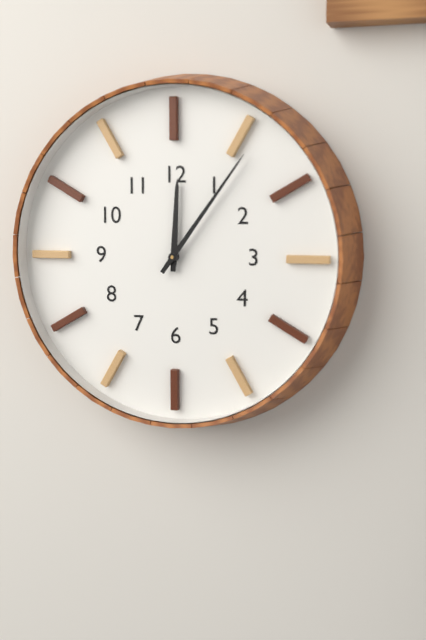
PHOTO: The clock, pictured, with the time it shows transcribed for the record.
12:06
